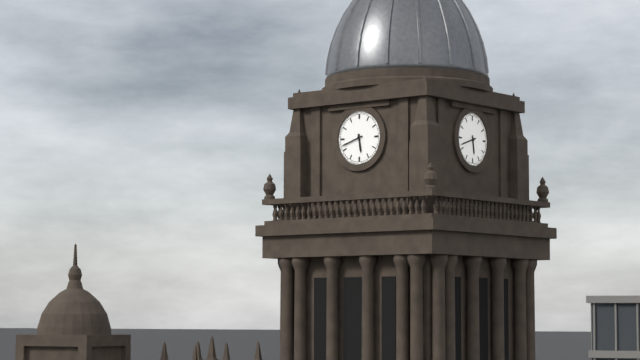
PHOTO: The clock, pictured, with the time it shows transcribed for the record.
5:42
